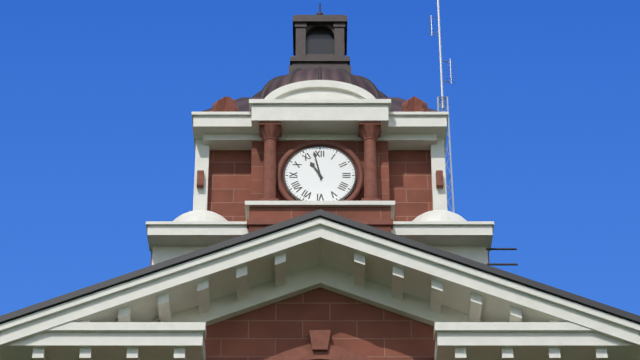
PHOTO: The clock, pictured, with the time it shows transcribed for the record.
10:58
